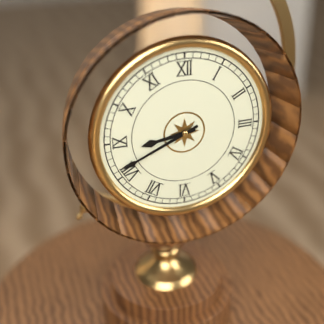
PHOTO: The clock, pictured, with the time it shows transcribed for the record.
8:41
